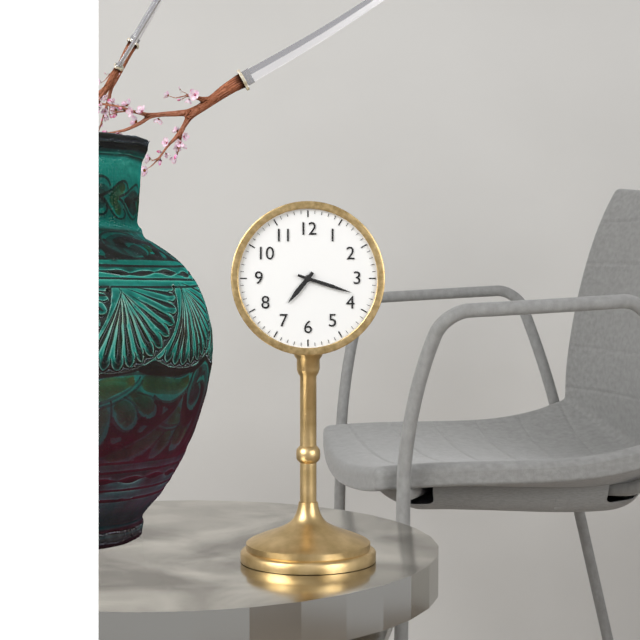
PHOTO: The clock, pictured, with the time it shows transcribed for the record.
7:18
